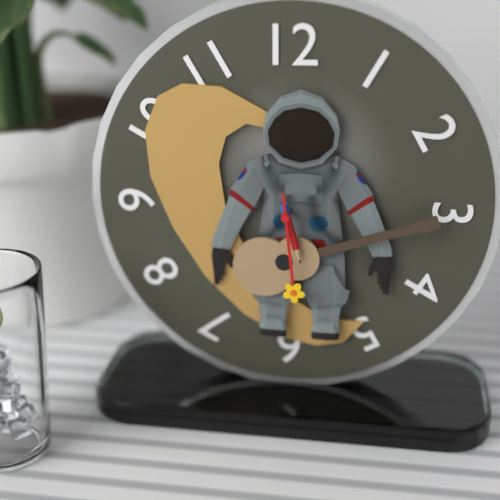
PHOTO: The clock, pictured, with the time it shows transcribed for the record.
5:29
